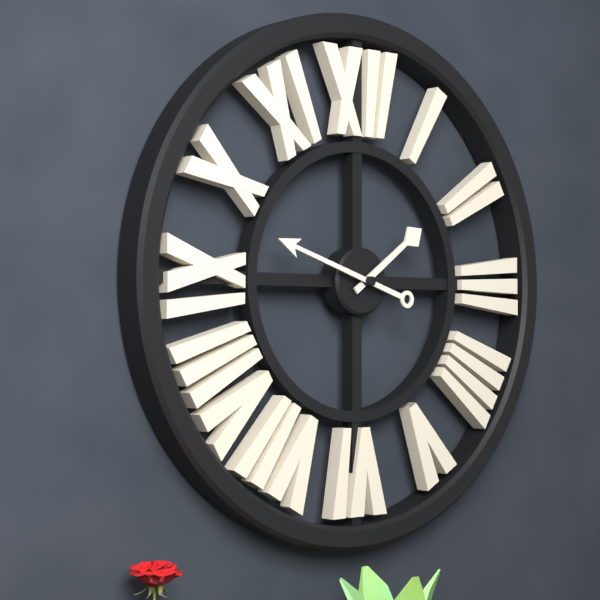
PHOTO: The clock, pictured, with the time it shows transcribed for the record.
1:48
